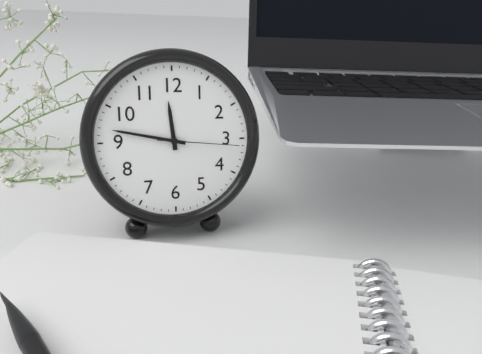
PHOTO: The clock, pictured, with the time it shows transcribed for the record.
11:47:16
